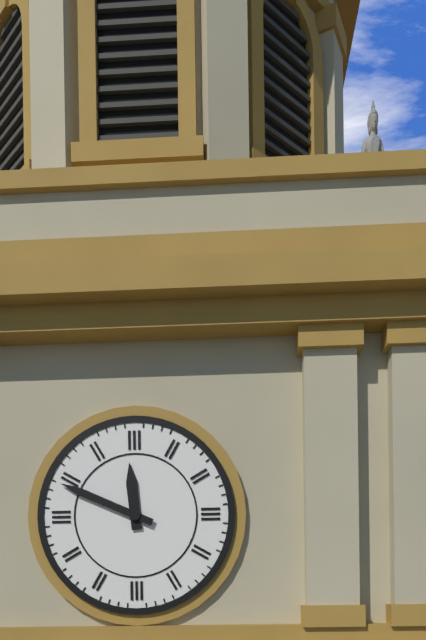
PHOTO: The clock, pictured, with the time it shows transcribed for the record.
11:49
